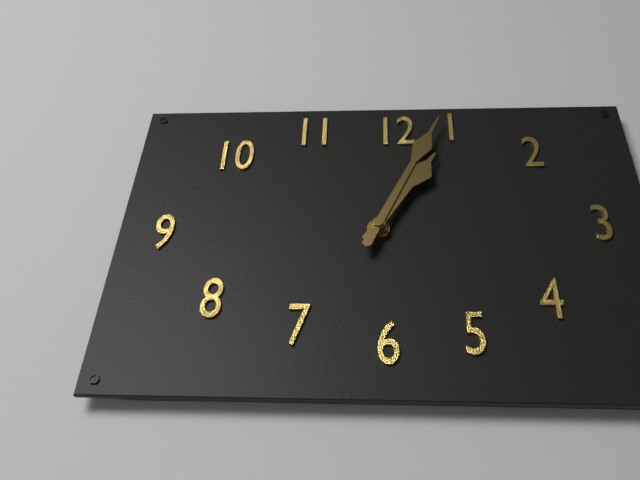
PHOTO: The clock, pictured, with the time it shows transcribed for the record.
1:04
